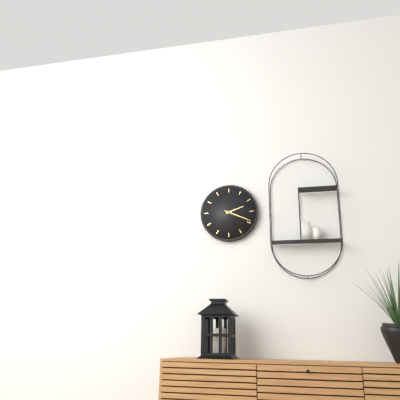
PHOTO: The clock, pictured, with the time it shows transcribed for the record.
2:19
